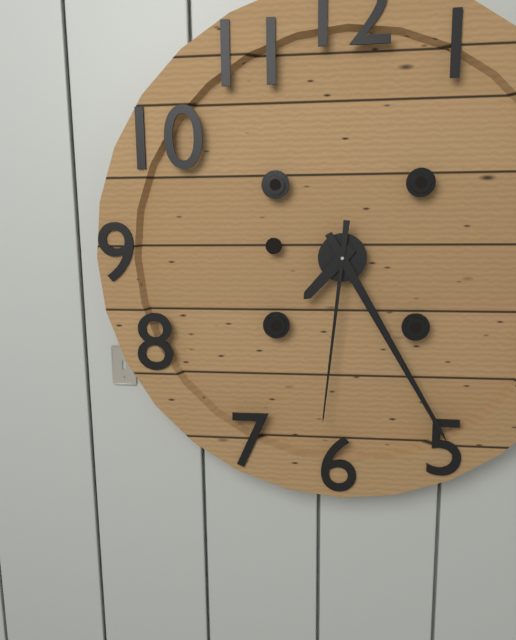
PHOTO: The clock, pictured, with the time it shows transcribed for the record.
7:25:31
